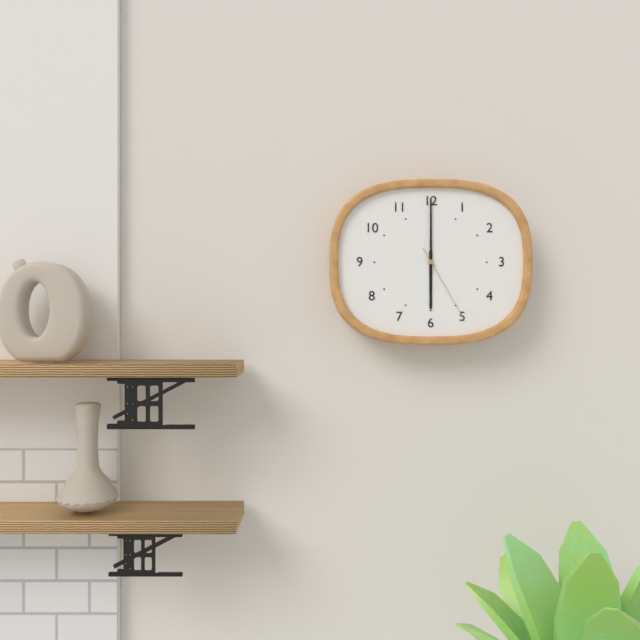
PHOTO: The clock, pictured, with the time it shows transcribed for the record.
6:00:25
